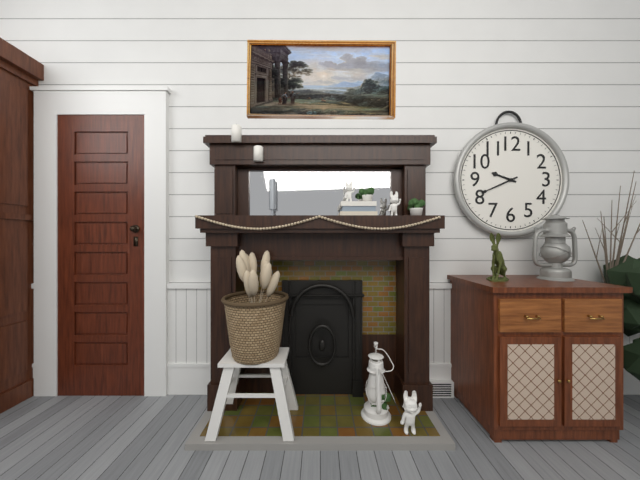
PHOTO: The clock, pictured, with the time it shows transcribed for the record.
9:41
